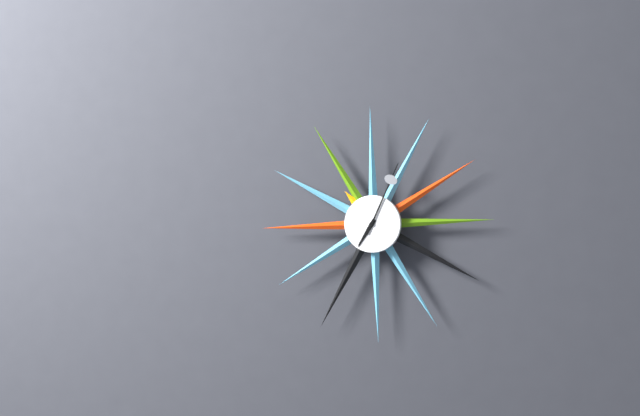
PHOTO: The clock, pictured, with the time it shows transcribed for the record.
7:04
